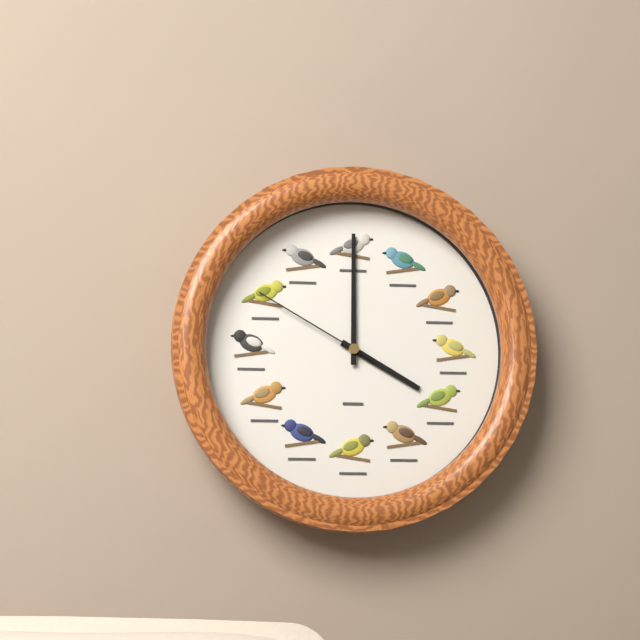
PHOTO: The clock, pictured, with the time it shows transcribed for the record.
4:00:50
